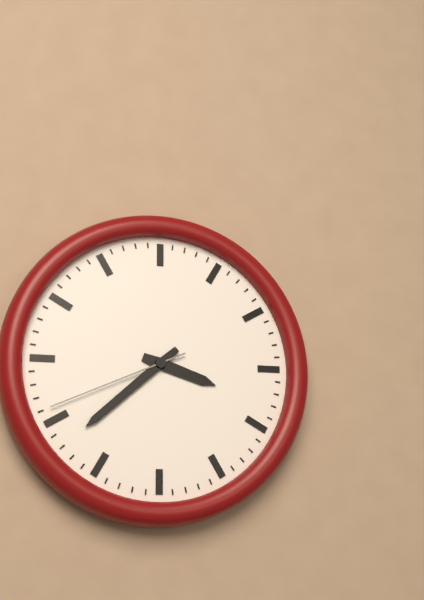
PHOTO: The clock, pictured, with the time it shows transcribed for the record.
3:38:41
